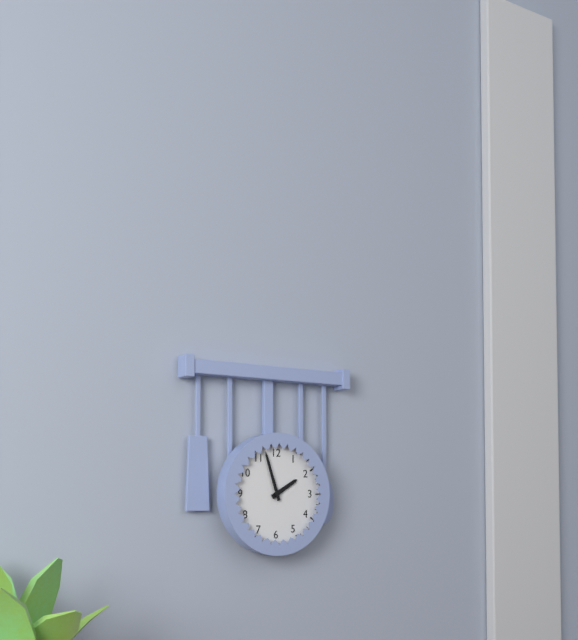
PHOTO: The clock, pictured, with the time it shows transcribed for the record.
1:57
